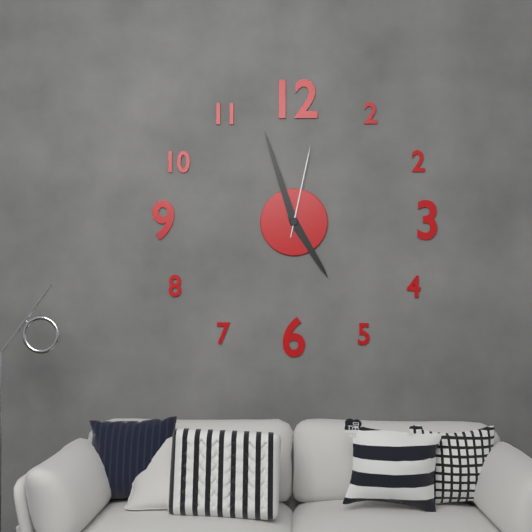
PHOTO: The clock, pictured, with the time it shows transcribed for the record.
4:57:02
